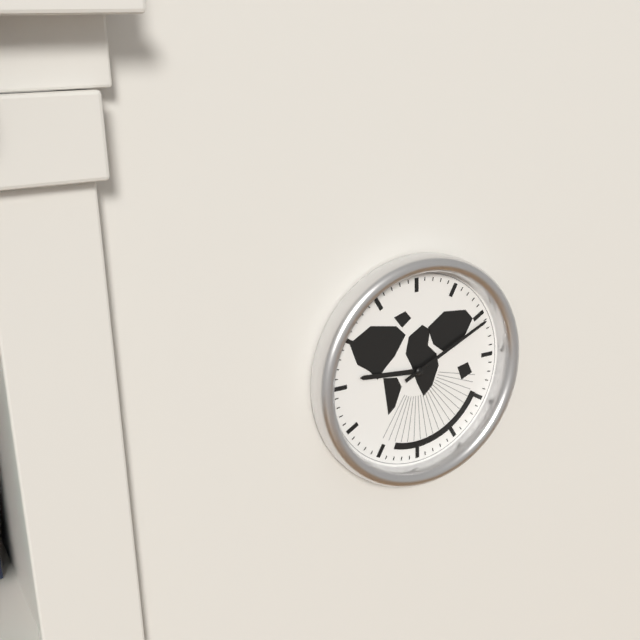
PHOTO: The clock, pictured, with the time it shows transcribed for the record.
9:11
